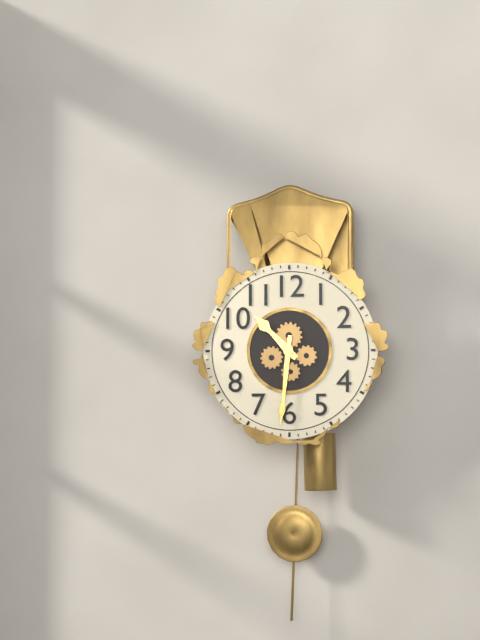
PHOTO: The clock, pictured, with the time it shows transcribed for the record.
10:31
